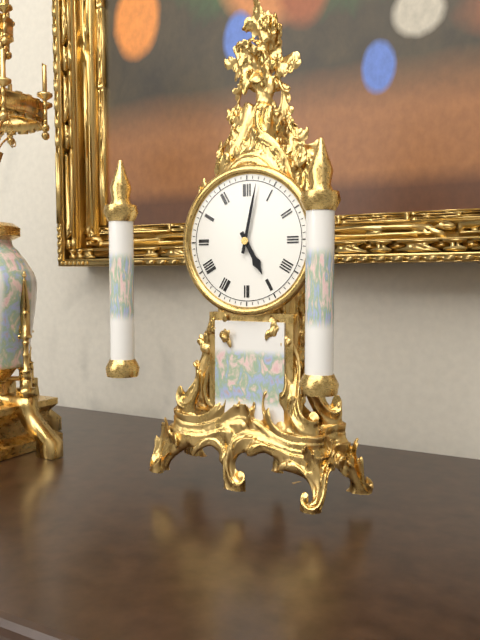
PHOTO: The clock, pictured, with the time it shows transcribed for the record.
5:02
